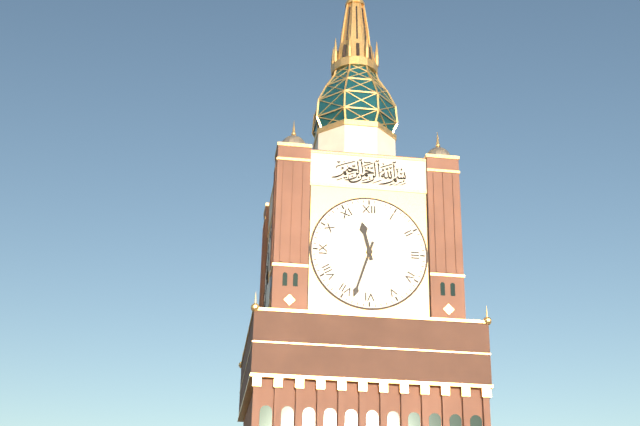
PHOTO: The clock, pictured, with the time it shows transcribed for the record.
11:33
